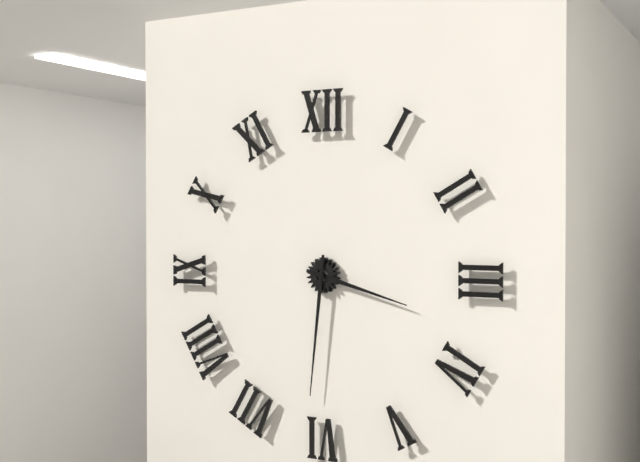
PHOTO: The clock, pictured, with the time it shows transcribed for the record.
3:31
